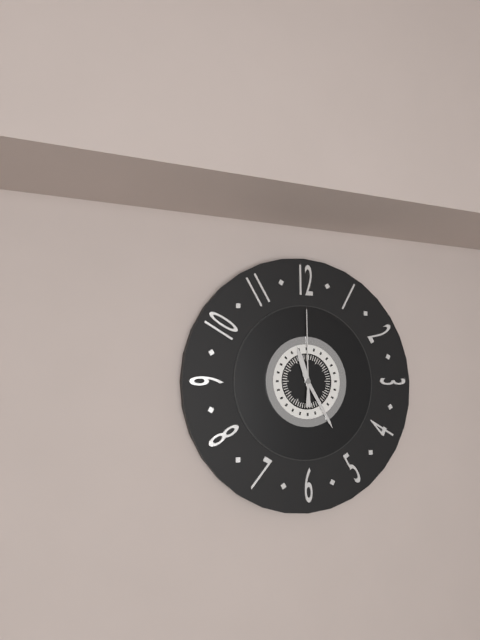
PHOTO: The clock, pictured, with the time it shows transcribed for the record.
11:25:00
